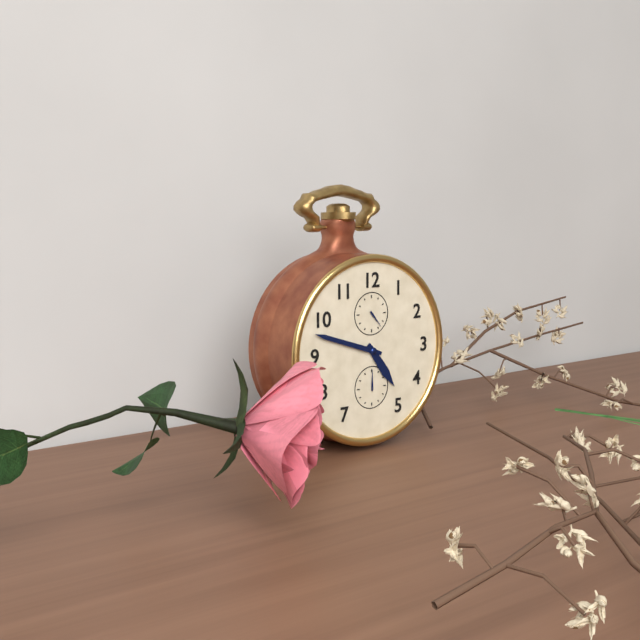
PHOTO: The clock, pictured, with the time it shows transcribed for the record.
4:48
